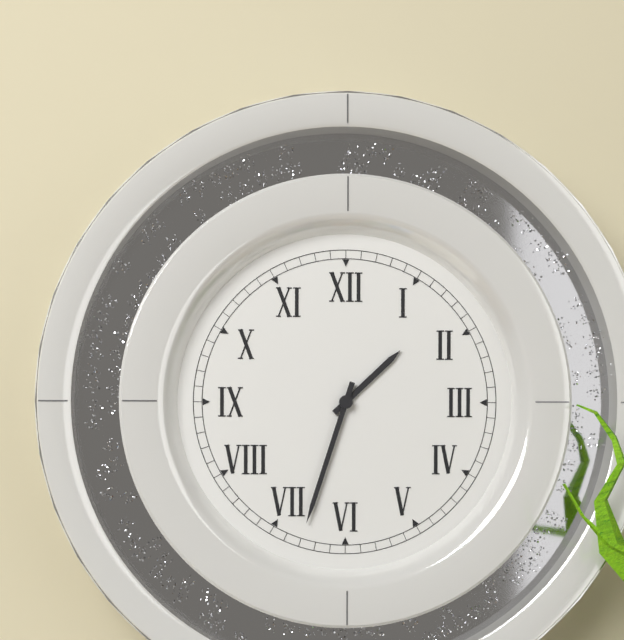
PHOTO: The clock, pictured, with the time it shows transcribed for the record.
1:33
